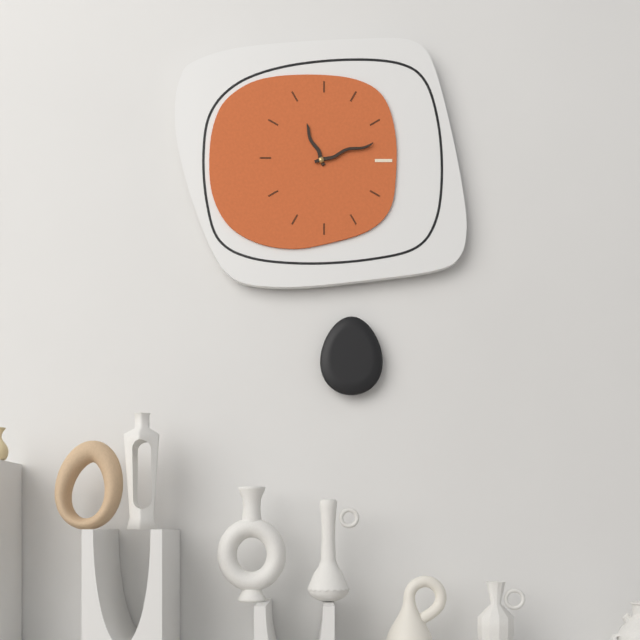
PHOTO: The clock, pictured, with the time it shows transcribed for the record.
11:12
